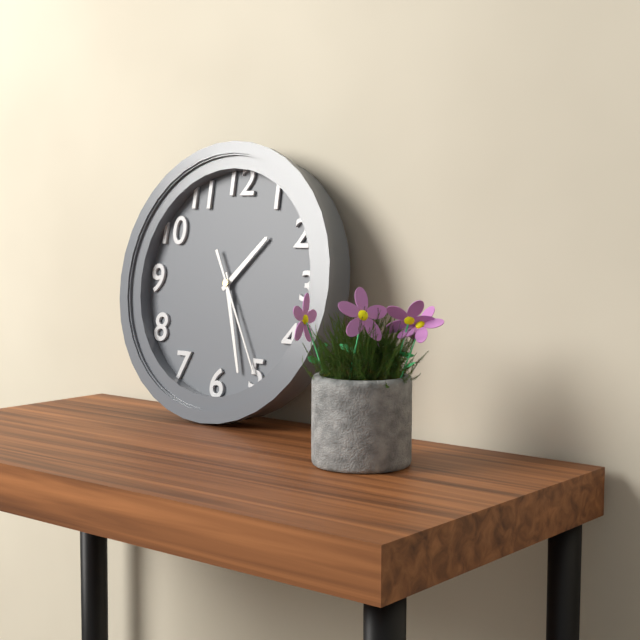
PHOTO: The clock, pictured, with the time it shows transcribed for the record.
1:27:25
